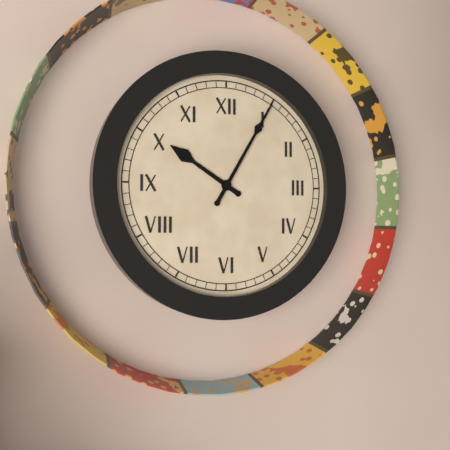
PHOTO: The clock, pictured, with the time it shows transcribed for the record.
10:05
